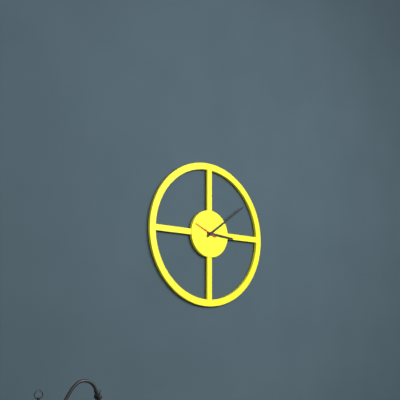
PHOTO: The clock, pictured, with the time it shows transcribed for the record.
3:09
